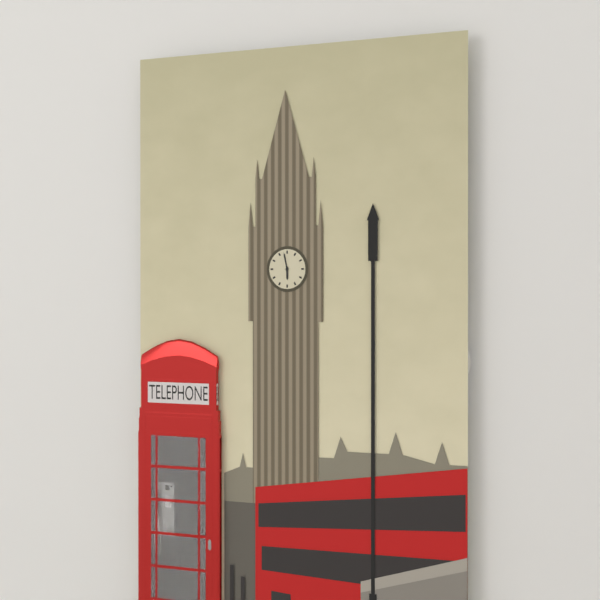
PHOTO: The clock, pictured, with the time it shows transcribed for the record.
5:58
